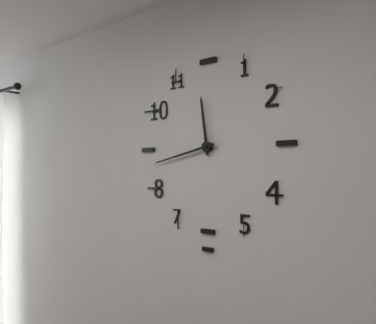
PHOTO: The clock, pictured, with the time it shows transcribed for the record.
11:43
